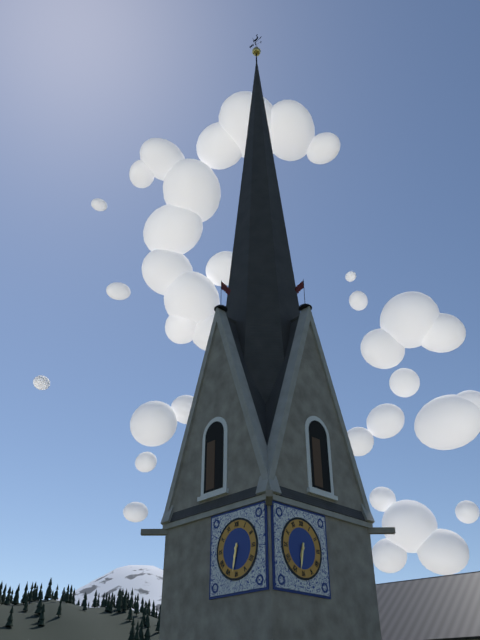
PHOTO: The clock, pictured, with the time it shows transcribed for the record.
6:32
